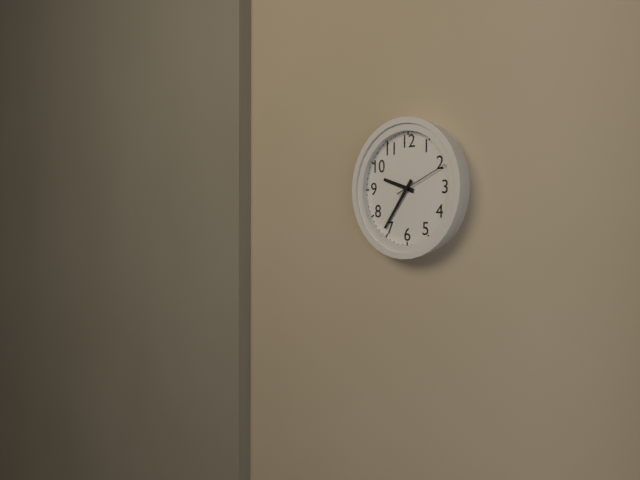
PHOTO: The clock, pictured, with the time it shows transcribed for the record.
9:36:11
